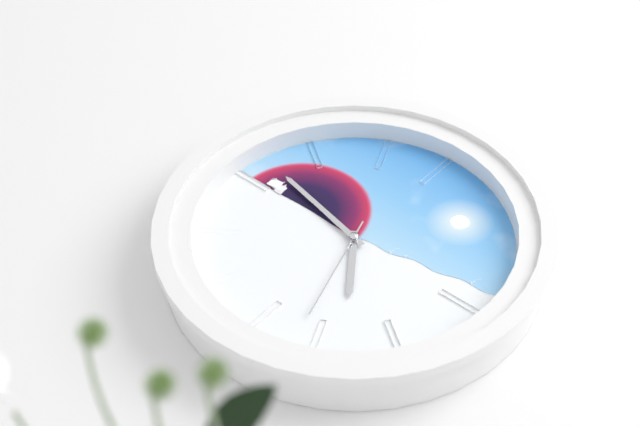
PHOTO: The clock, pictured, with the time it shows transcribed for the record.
4:47:27
